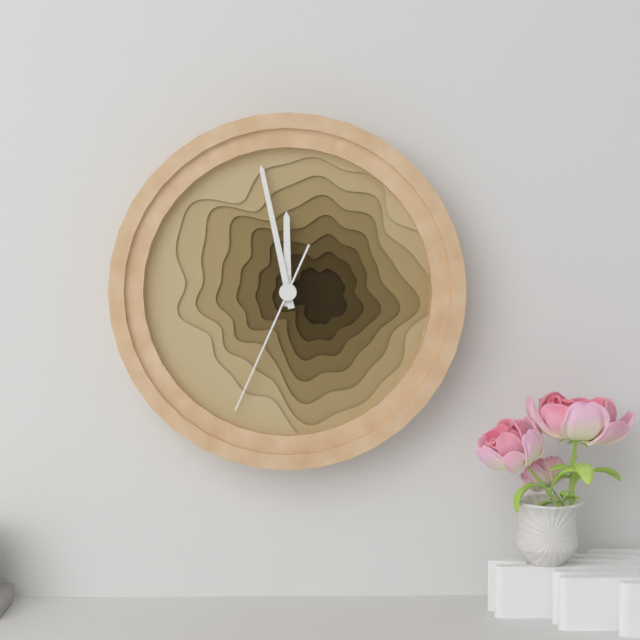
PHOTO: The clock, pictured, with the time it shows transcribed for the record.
11:58:34
